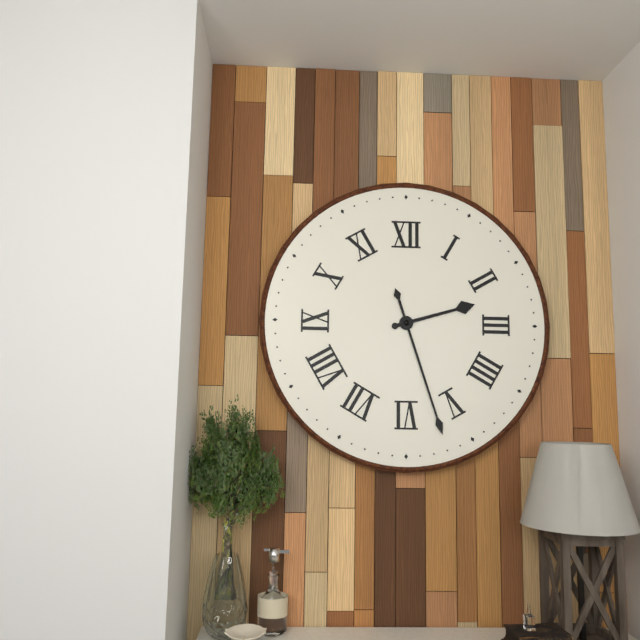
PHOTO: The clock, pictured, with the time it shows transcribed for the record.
2:27
